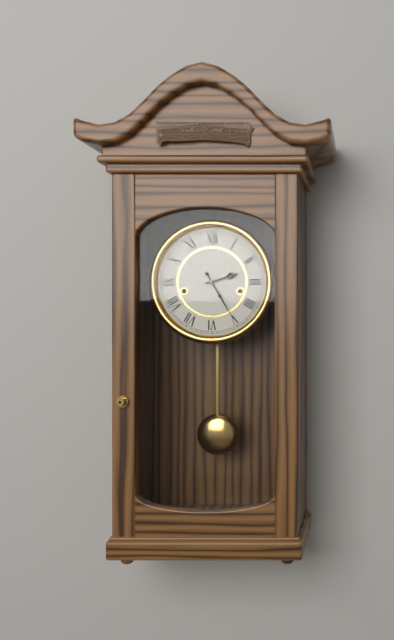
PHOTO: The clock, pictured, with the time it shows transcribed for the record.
2:25
